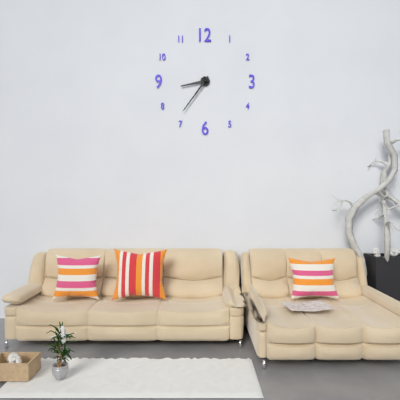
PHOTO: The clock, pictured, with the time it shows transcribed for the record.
8:36
